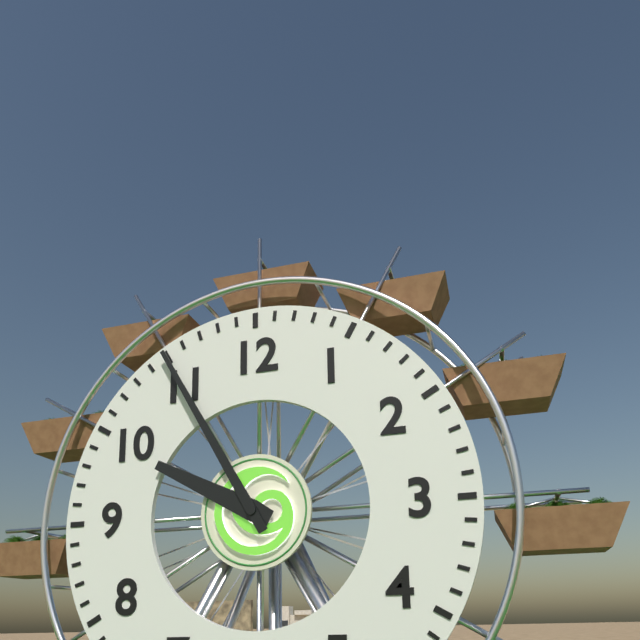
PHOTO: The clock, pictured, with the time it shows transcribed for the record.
9:55
